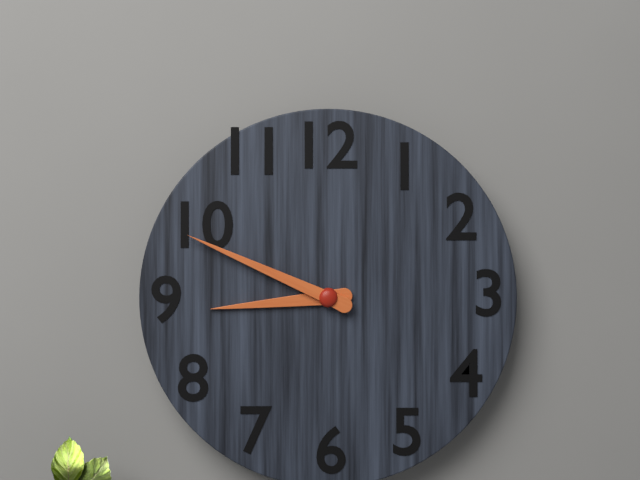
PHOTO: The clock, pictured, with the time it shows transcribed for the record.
8:49
